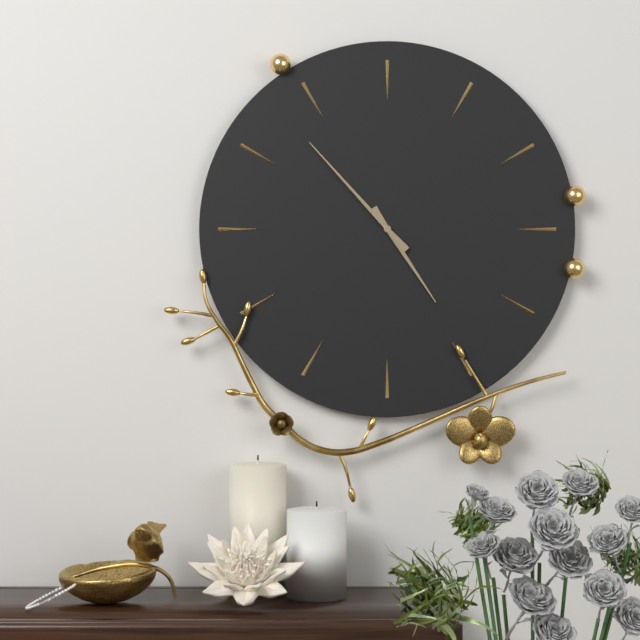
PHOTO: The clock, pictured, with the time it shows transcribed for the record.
4:53
